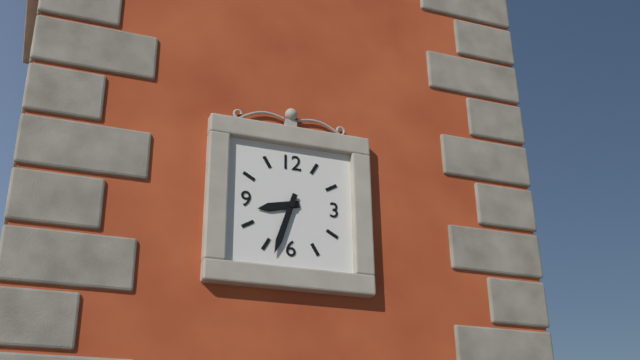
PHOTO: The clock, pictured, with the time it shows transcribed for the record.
8:33
